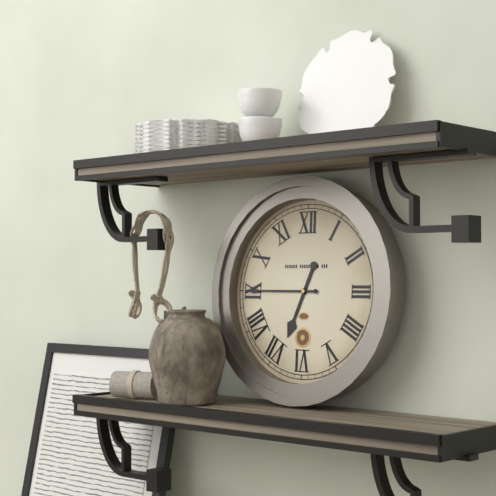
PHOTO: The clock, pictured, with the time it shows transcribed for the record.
6:45
